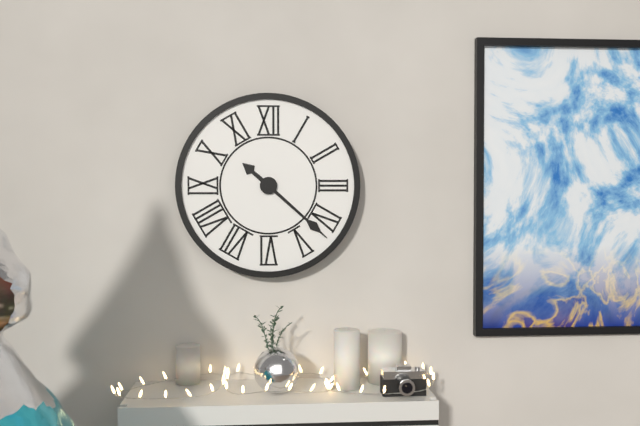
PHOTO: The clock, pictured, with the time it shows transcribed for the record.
10:22
